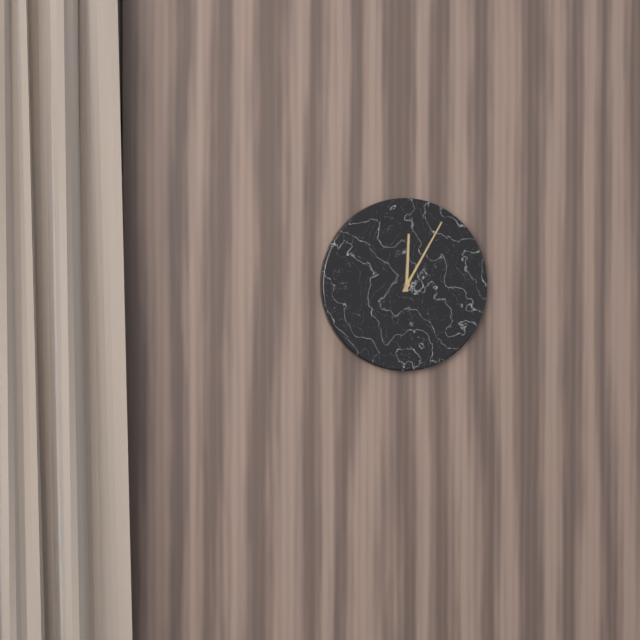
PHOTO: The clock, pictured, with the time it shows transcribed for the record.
12:05
